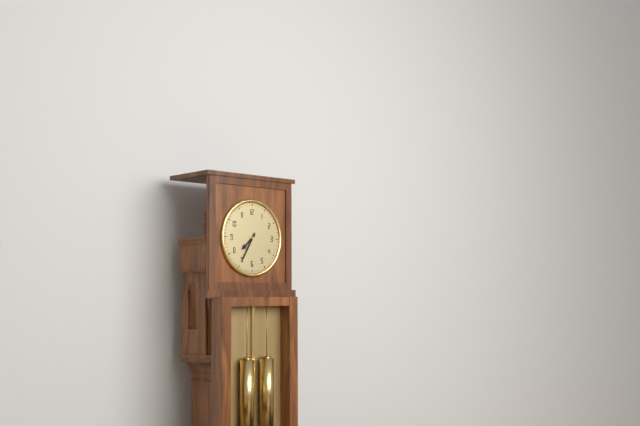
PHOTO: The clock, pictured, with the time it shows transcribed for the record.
7:35
